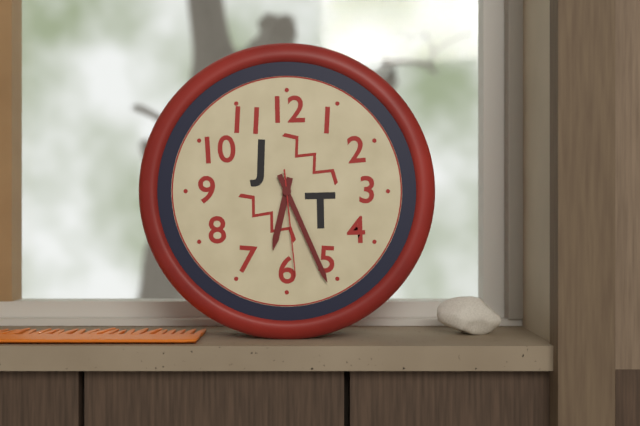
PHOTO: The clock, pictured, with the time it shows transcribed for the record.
6:26:29
